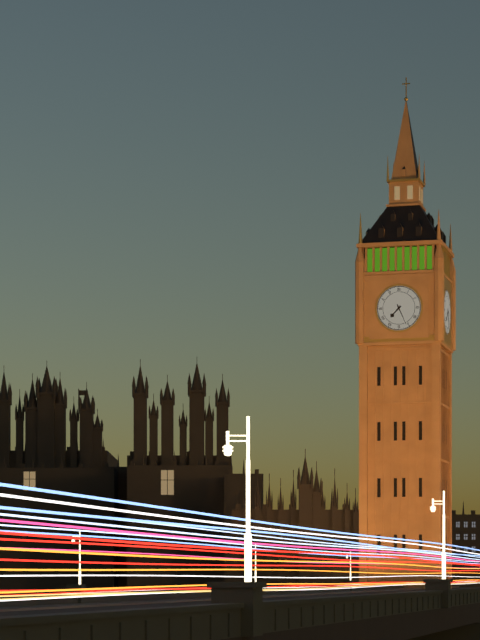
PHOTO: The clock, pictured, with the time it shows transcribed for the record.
7:26
